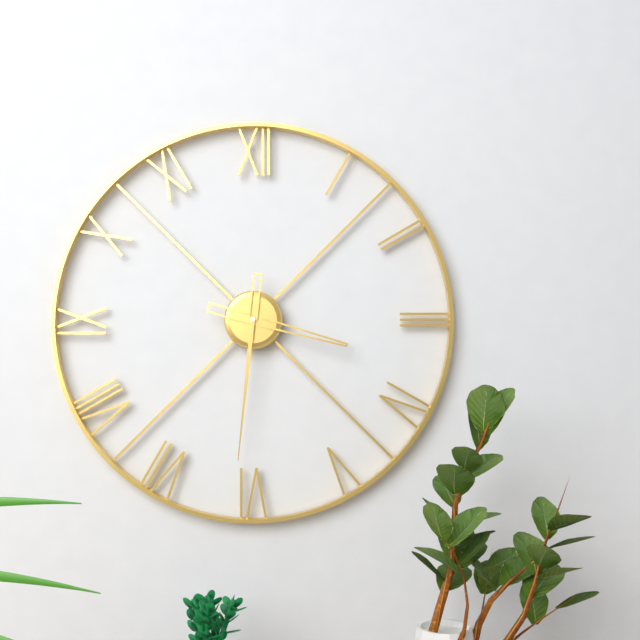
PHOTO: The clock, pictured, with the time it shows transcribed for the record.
3:31
